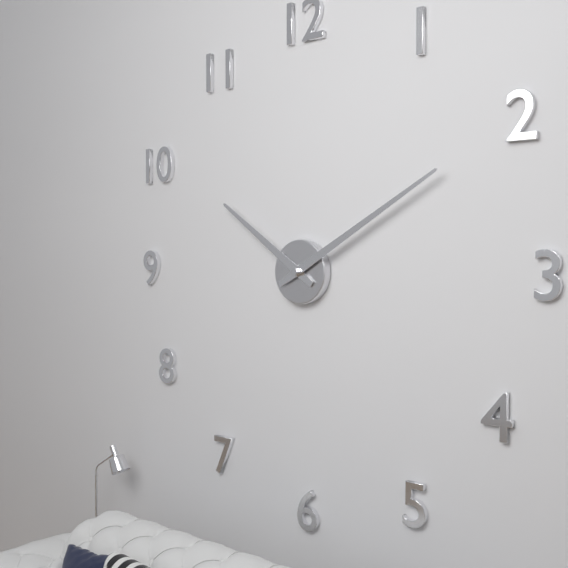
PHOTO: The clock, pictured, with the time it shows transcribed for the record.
10:10
